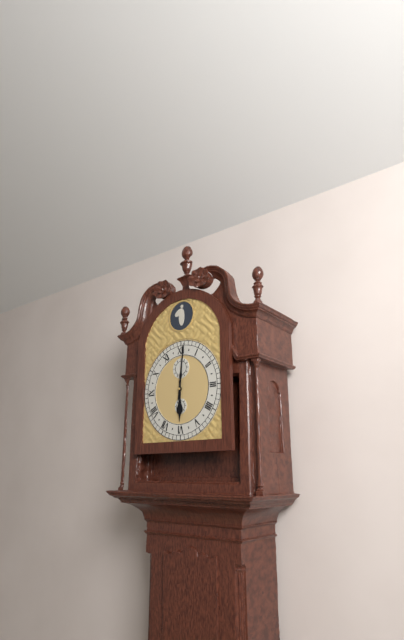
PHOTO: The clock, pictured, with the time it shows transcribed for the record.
6:01
